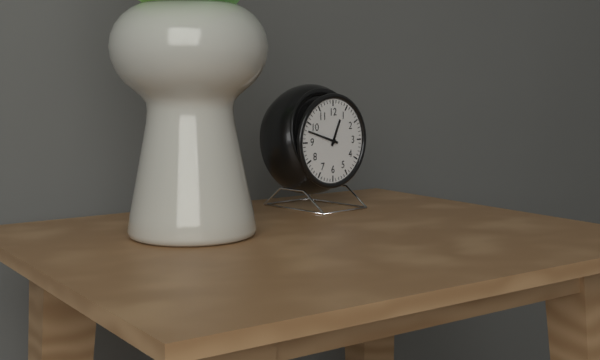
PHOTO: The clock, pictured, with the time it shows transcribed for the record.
12:48
